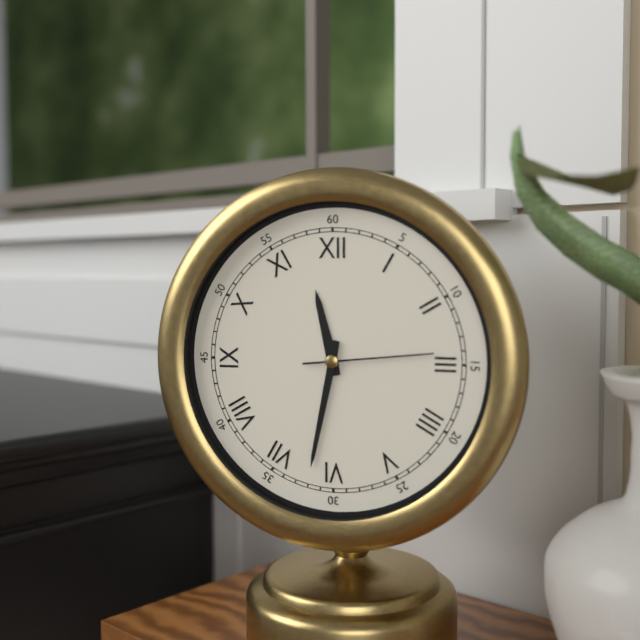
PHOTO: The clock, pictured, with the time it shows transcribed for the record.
11:32:14
